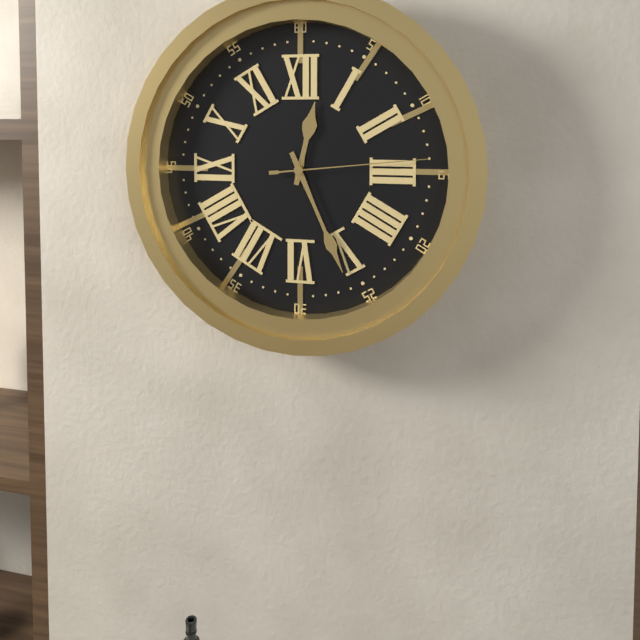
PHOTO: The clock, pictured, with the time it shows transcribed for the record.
12:26:14
